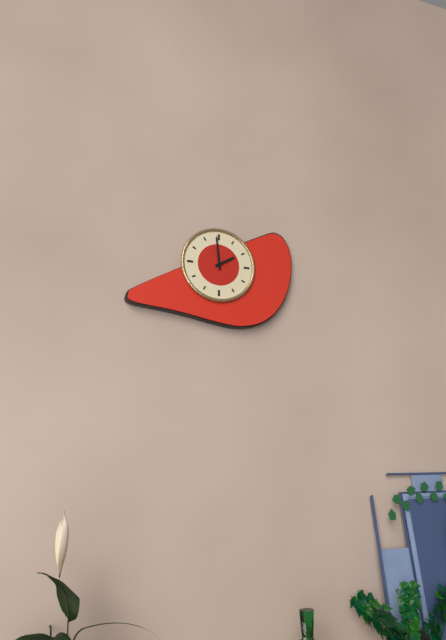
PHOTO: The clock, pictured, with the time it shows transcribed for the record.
1:59
